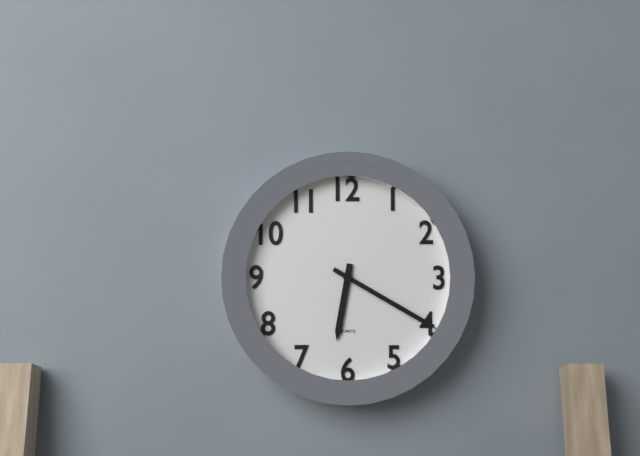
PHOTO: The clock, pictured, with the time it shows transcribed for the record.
6:20
